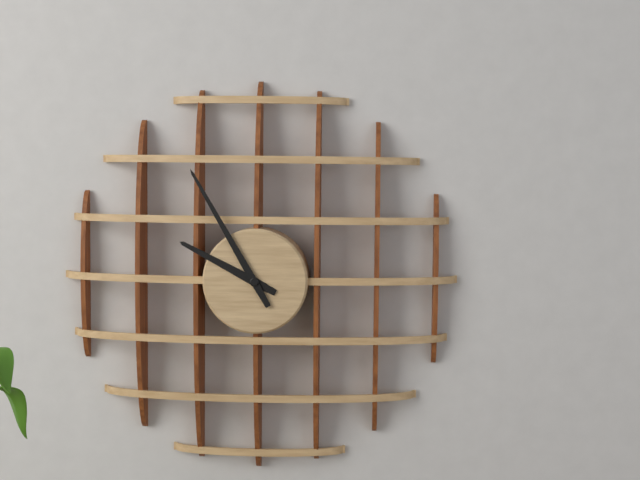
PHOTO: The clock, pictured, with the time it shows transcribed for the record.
9:55
